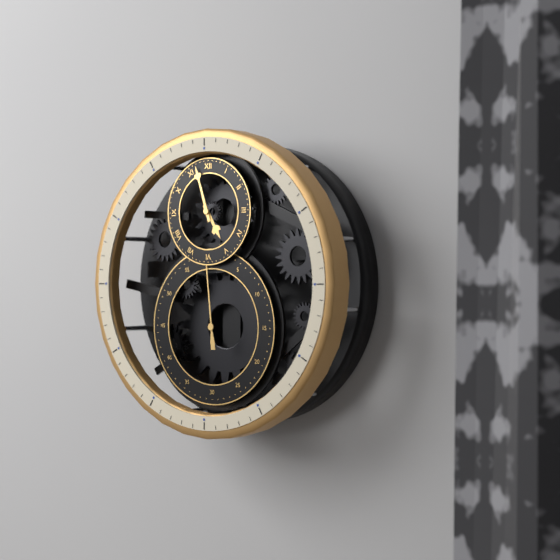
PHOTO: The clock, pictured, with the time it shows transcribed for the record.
4:57:59
